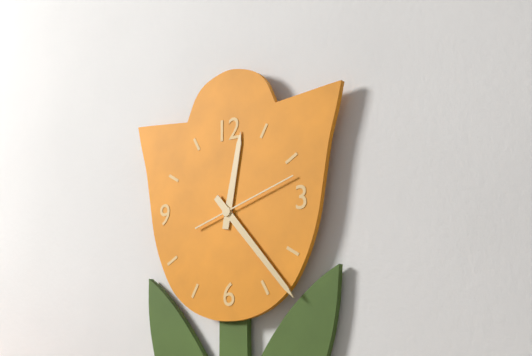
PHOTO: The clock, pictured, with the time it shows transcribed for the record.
12:23:12
